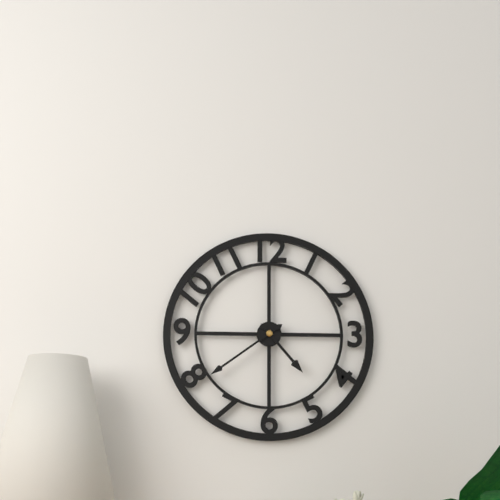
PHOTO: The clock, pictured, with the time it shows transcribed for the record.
4:39
